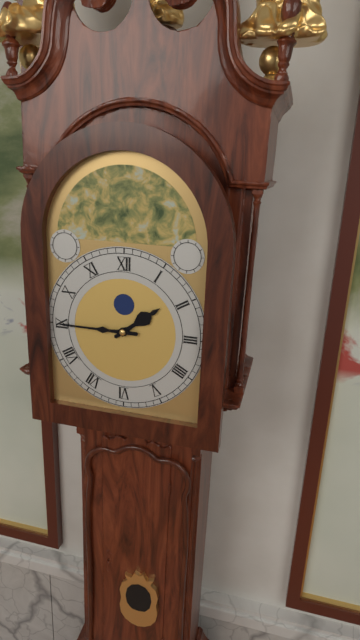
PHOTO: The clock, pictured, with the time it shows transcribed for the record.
1:45
